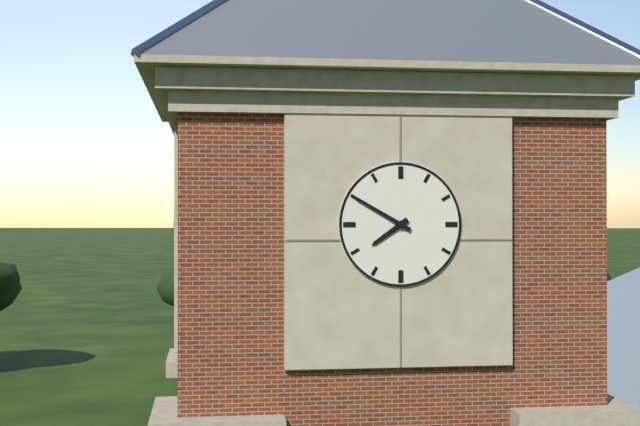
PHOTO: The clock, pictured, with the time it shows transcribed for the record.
7:50
